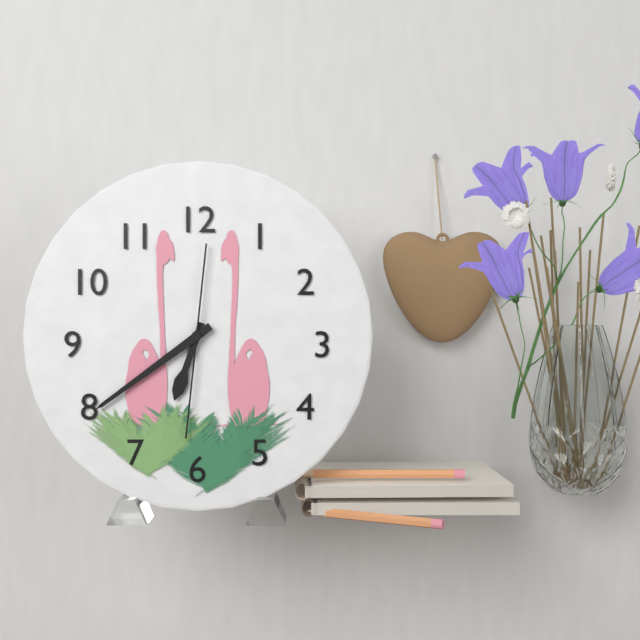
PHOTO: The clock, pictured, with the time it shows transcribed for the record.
6:39:31
